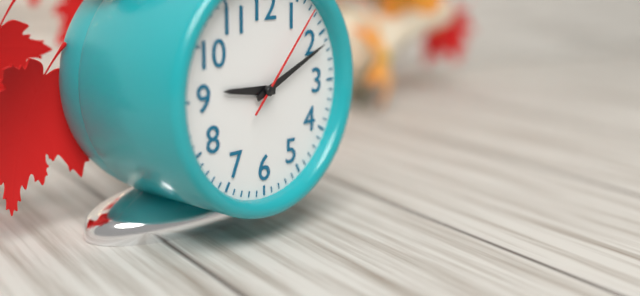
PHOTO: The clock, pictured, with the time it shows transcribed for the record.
9:11:07
